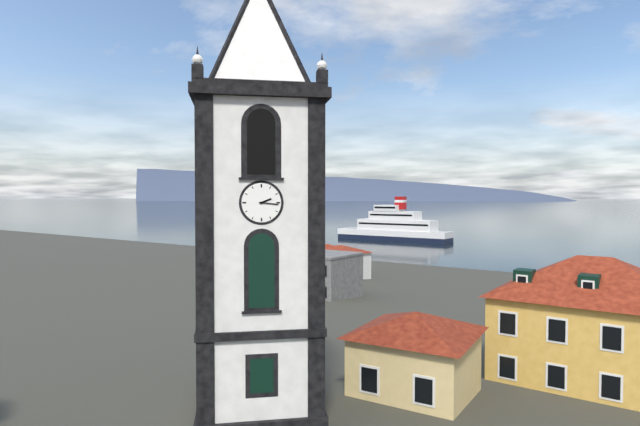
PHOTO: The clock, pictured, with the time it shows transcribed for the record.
2:16
